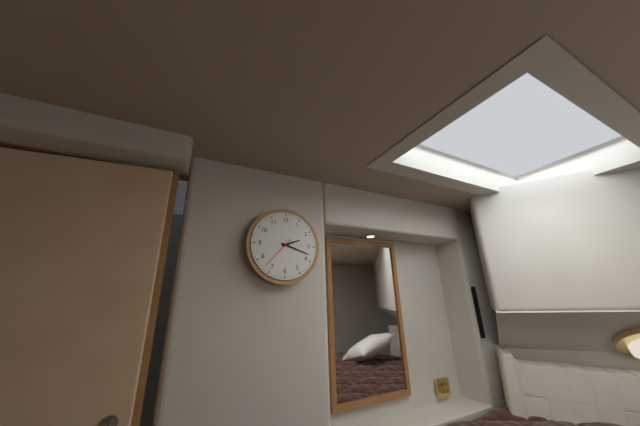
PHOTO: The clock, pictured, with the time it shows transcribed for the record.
2:18
